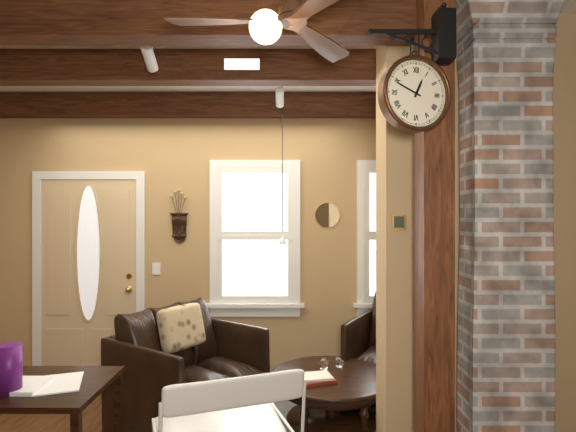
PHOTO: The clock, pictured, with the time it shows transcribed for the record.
12:49
